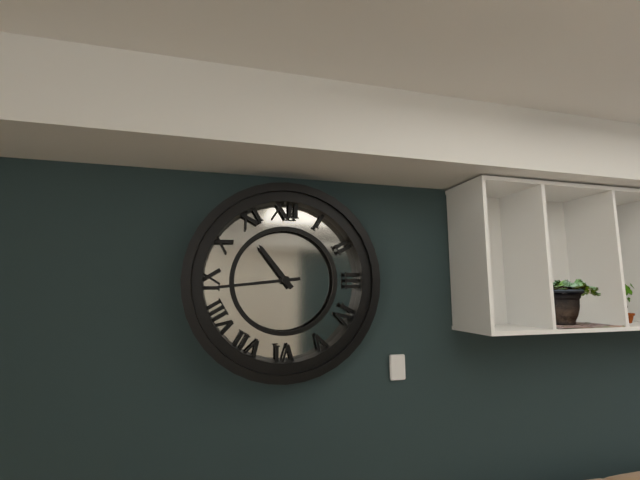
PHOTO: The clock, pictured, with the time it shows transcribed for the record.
10:44
